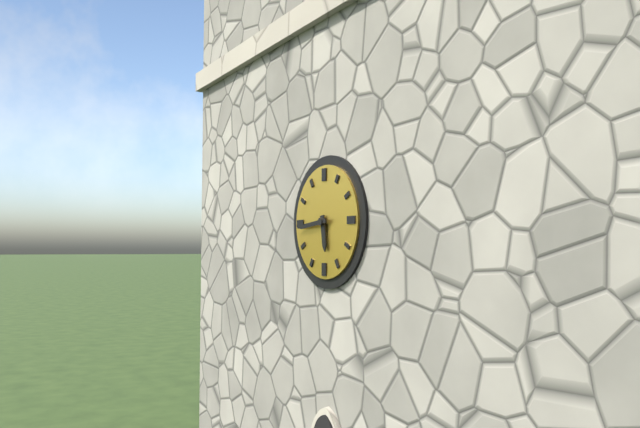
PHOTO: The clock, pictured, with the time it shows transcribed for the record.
5:44
